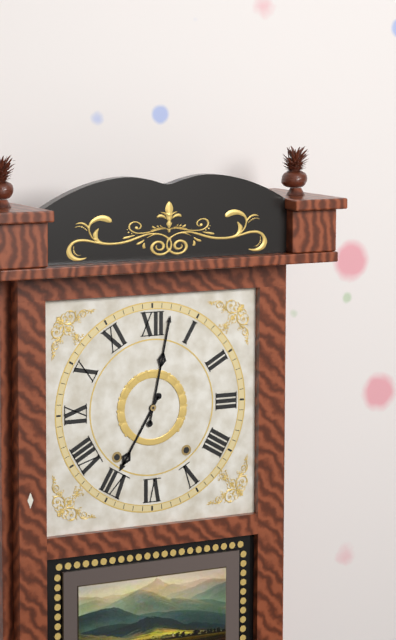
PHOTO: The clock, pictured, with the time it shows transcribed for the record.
7:02
